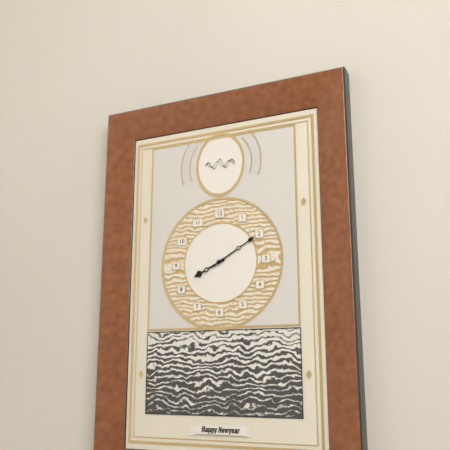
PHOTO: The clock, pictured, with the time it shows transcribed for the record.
8:10
